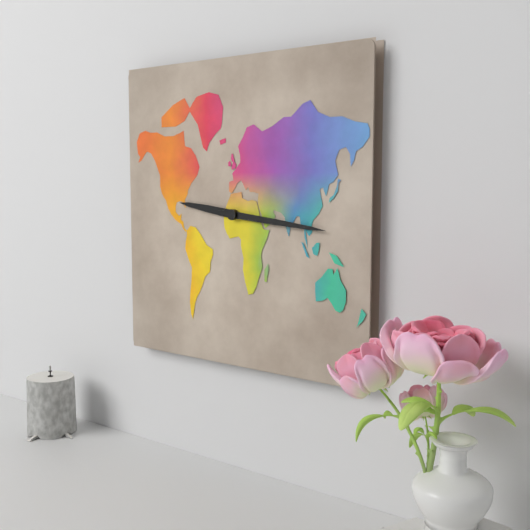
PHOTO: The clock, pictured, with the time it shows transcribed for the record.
9:16
